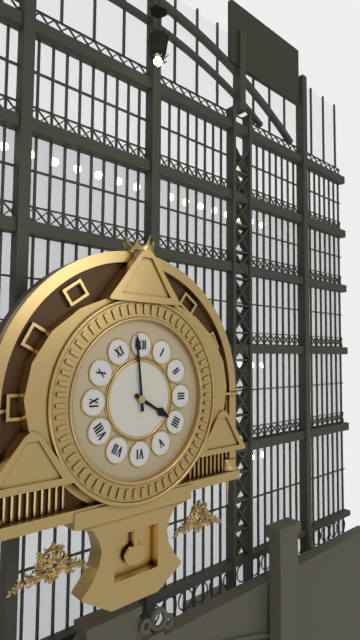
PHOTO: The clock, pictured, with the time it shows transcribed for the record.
3:59
